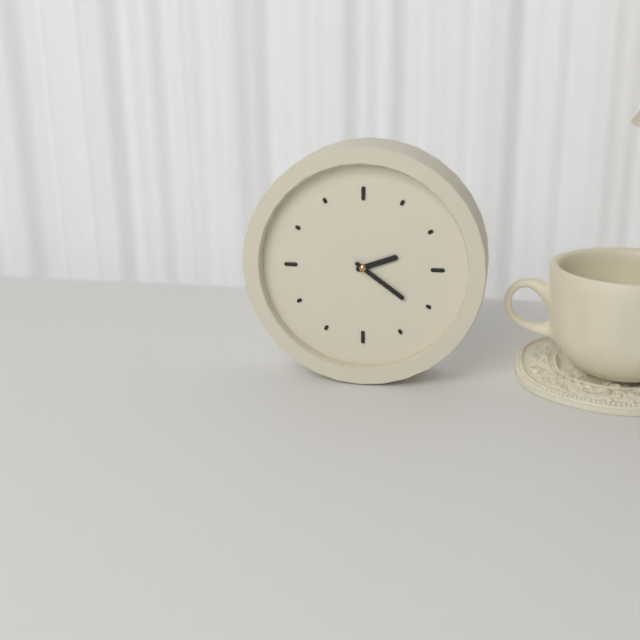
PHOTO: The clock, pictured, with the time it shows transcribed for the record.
2:21
